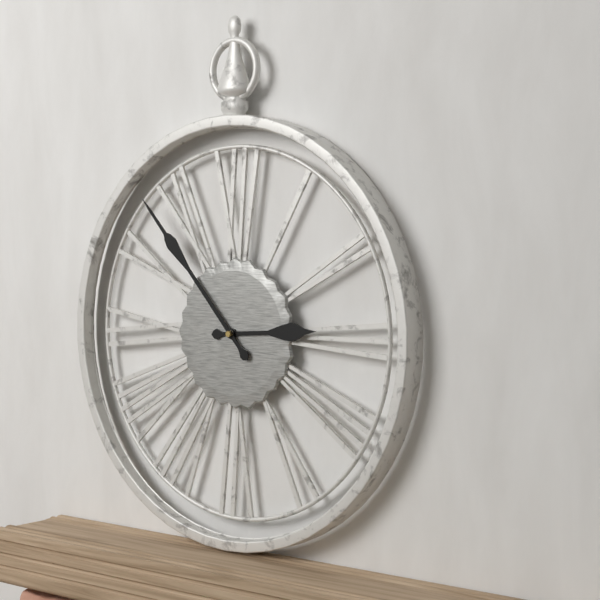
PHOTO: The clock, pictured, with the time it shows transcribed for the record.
2:53
